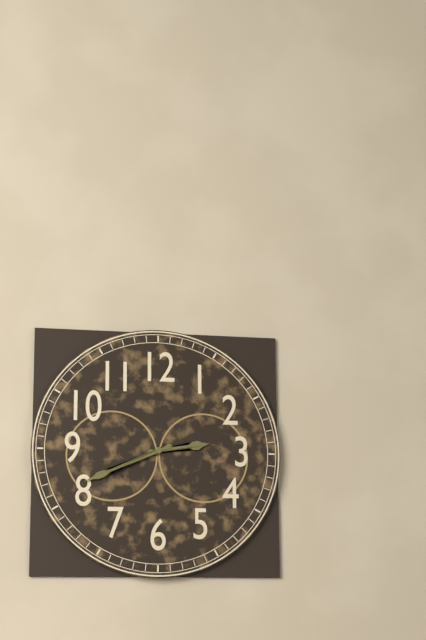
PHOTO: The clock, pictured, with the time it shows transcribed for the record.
2:41
